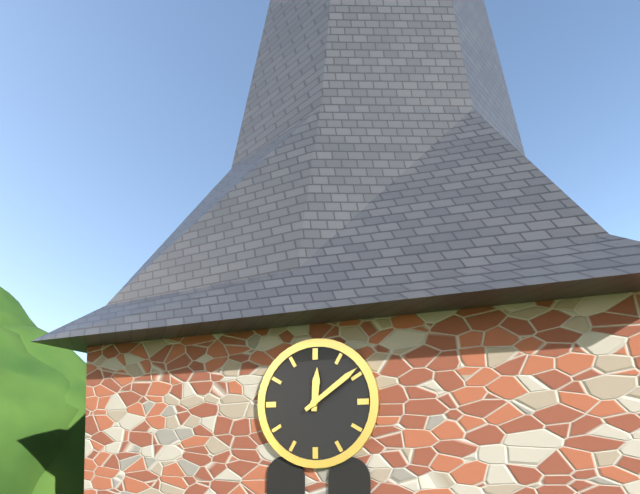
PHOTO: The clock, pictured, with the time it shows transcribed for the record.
12:09
